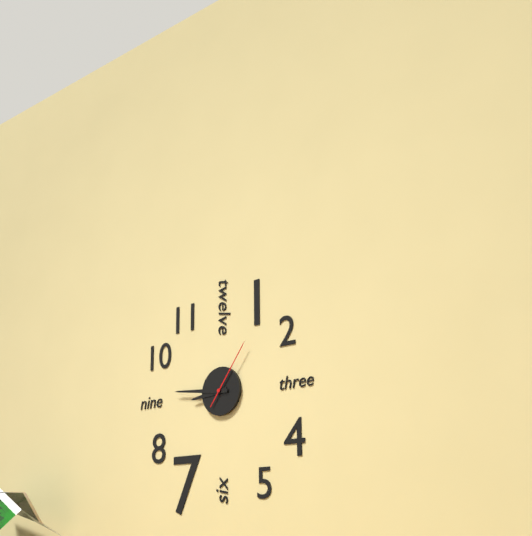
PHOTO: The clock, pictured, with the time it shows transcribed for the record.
8:46:06
